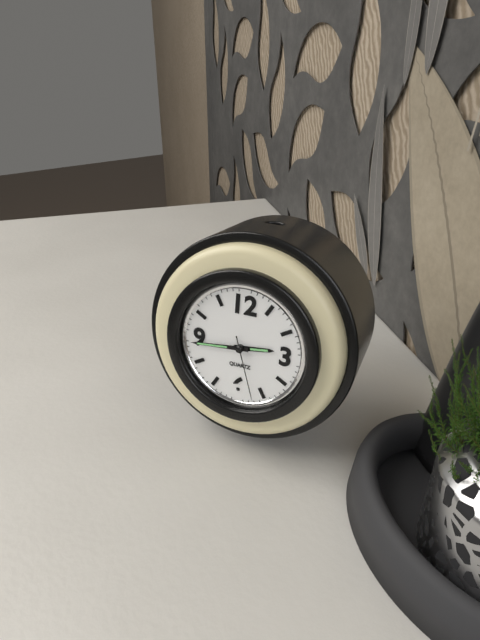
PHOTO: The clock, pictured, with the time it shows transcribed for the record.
2:44:27
